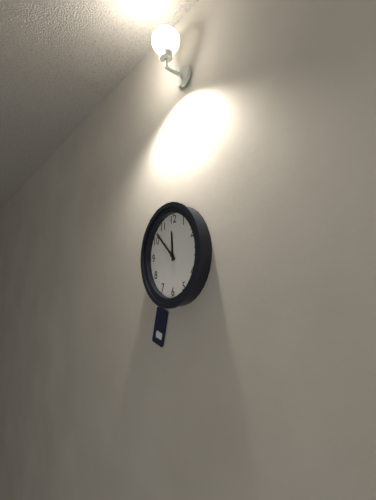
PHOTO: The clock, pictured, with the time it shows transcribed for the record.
11:52
